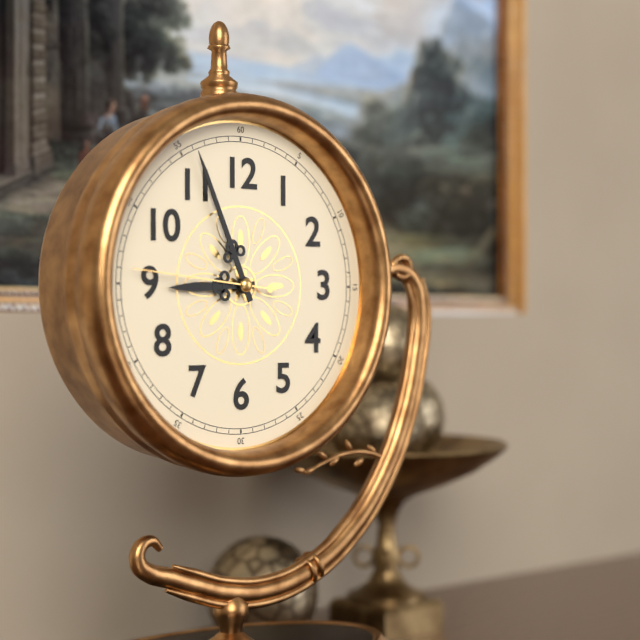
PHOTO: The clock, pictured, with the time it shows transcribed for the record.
8:56:46
